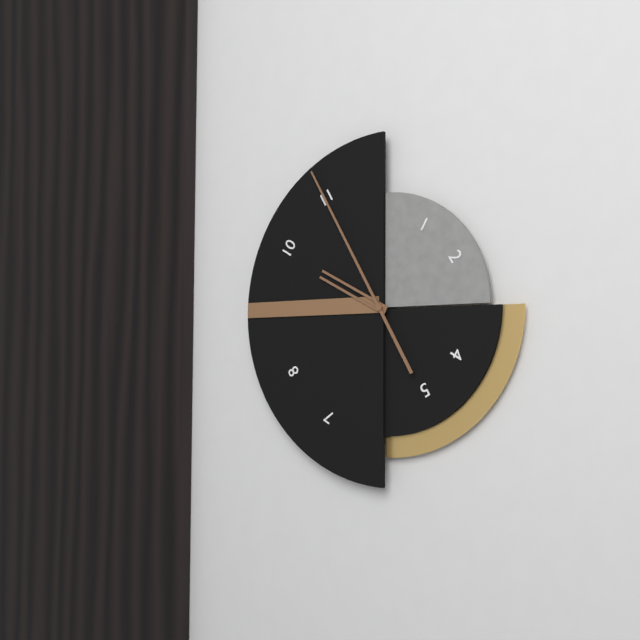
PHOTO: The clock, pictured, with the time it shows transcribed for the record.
9:55
